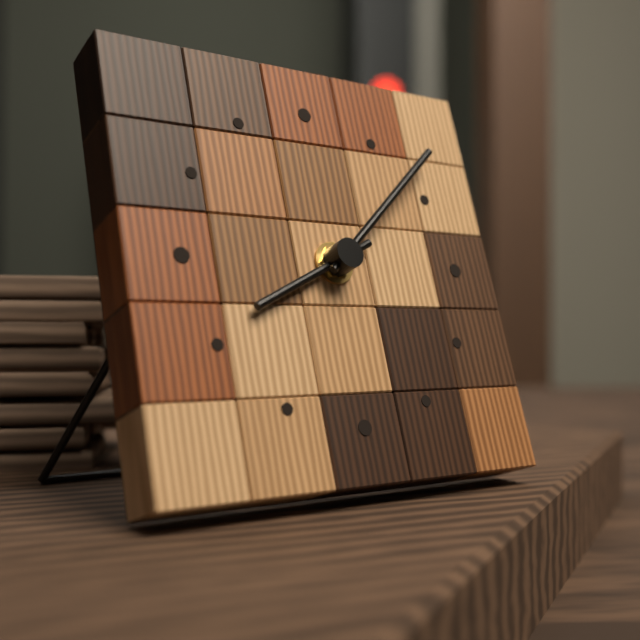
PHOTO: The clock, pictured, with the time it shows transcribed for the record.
8:08
